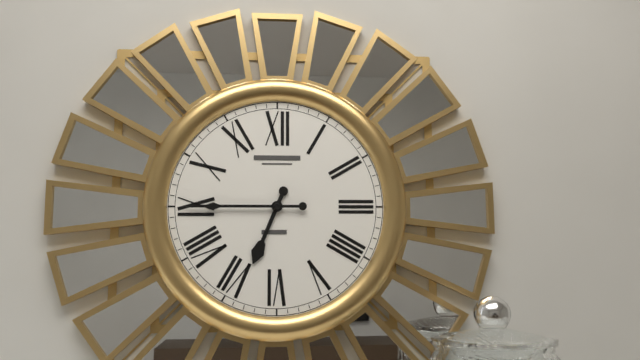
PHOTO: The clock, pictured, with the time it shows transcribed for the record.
6:45
